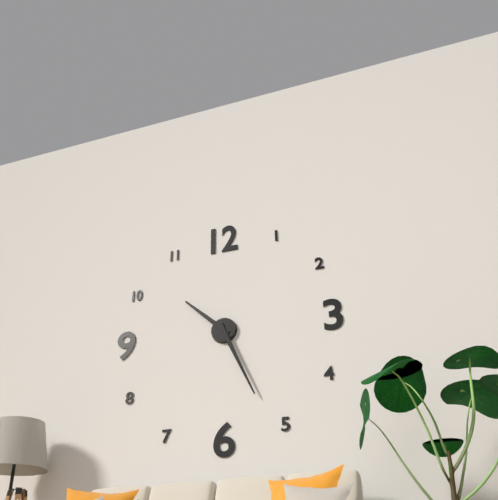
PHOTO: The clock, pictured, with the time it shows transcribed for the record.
10:26
